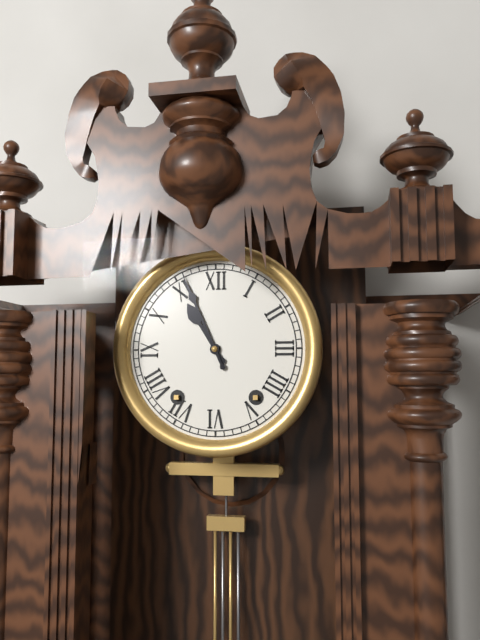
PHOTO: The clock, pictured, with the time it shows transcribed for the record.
10:56
